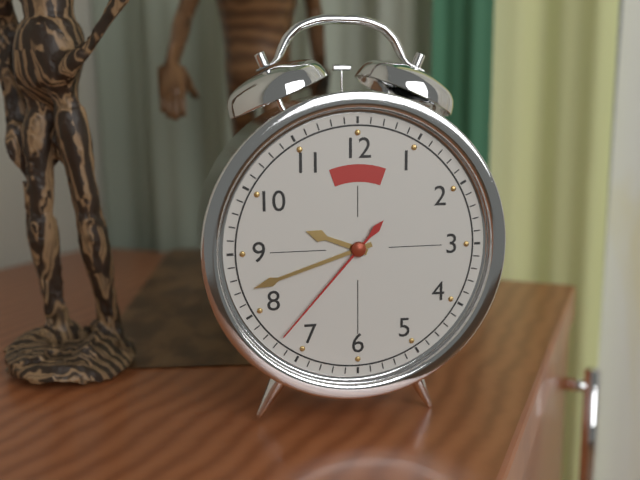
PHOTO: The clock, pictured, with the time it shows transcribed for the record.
9:42:37
